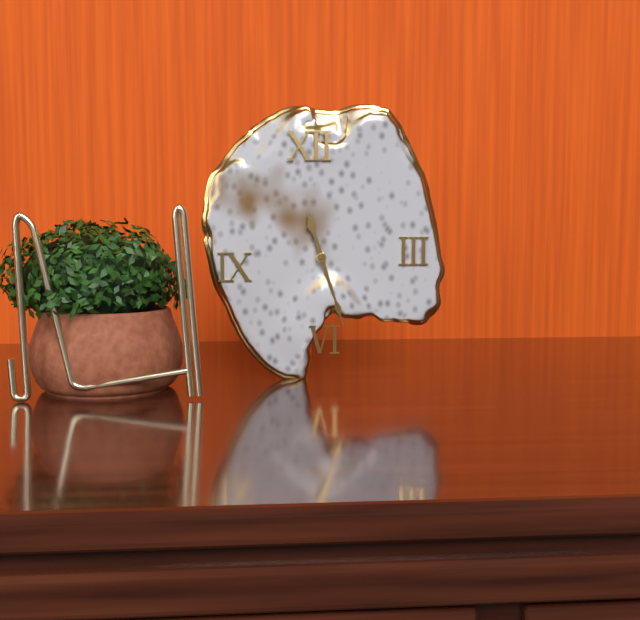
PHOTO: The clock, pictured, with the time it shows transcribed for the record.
11:27
